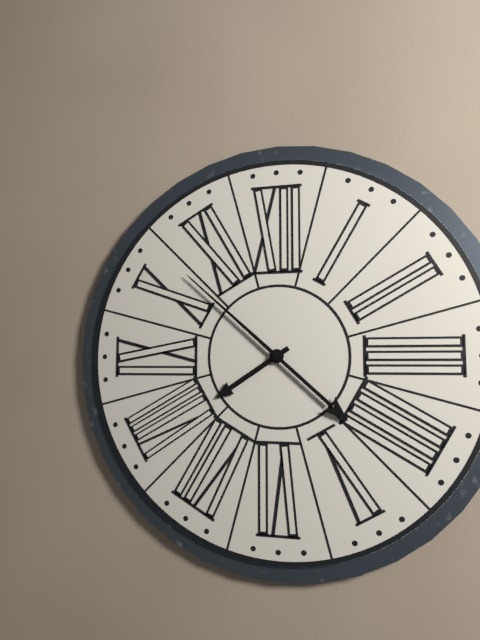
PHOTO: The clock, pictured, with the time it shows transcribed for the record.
7:52
